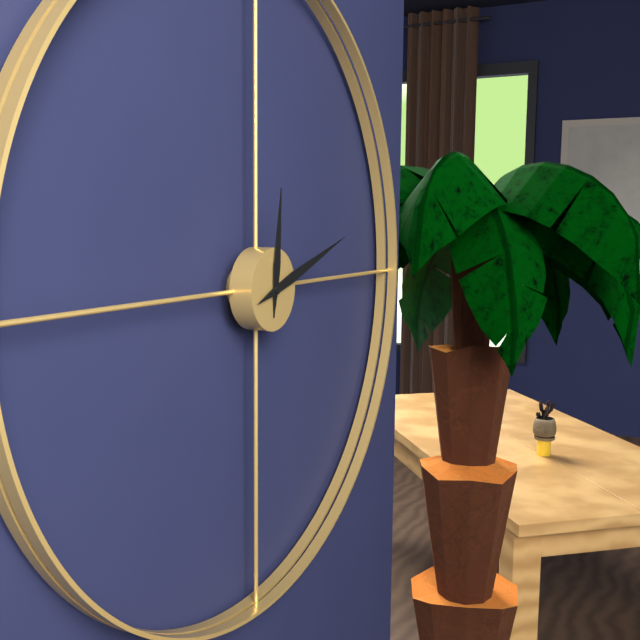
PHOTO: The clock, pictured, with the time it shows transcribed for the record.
12:12
